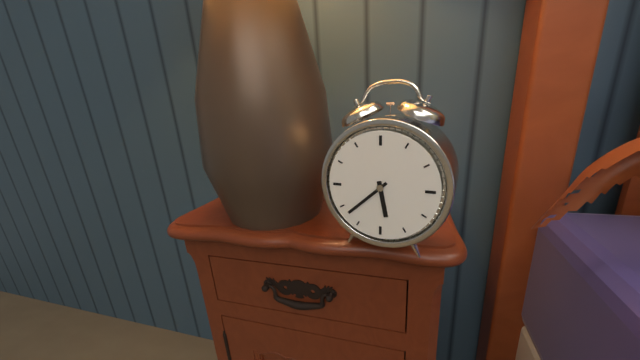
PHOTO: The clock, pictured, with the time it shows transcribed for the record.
5:38
